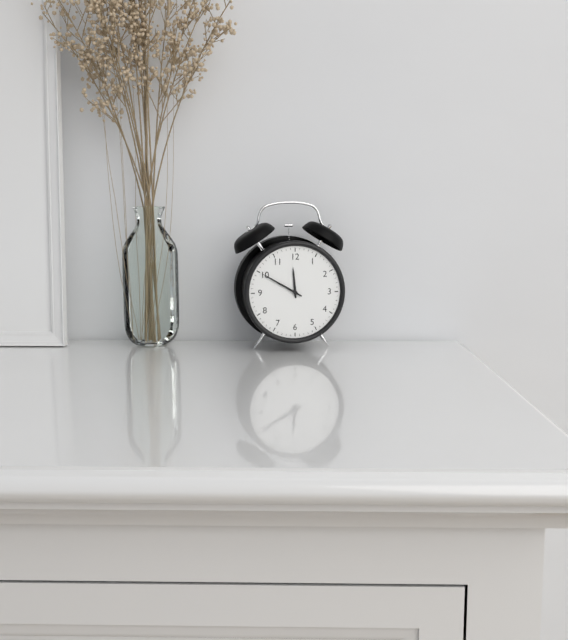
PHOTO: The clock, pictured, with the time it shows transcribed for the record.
11:50
